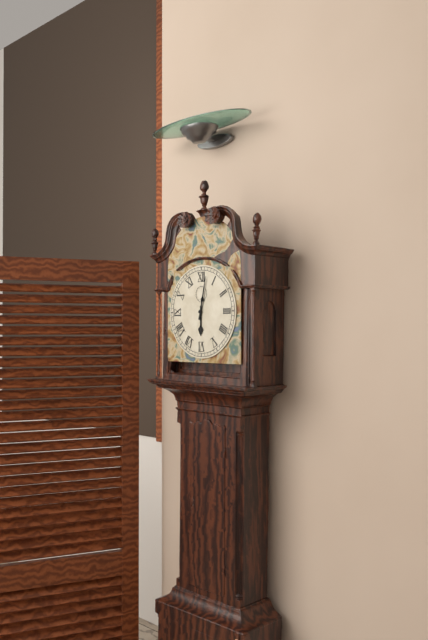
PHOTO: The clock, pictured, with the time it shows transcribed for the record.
6:02
